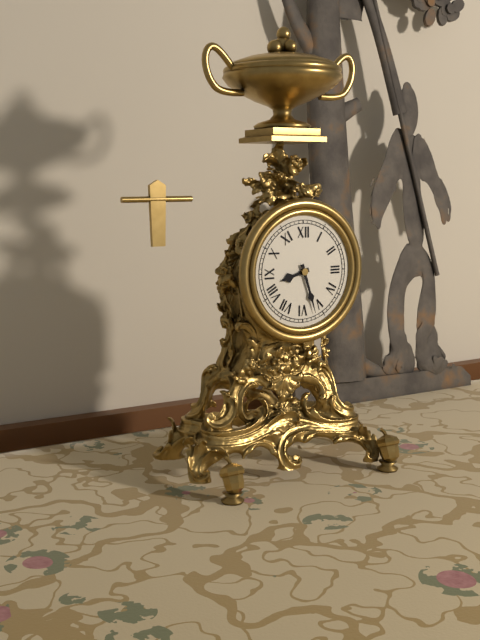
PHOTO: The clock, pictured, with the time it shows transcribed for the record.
8:27
